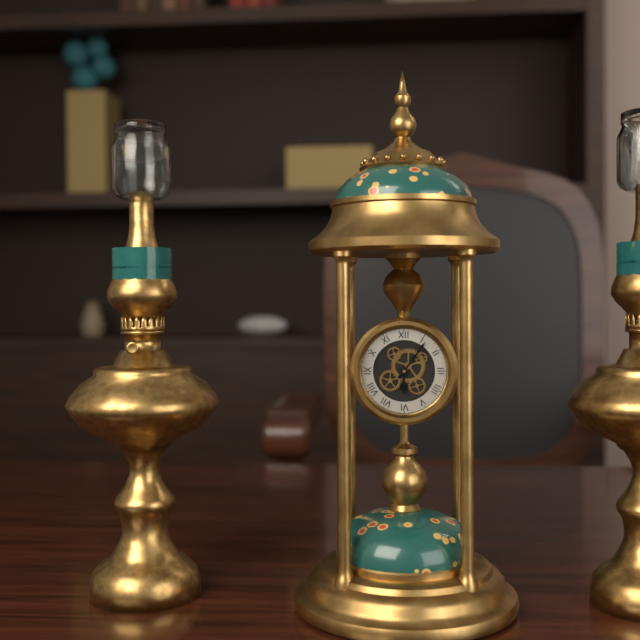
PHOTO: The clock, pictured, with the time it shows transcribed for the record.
6:06
